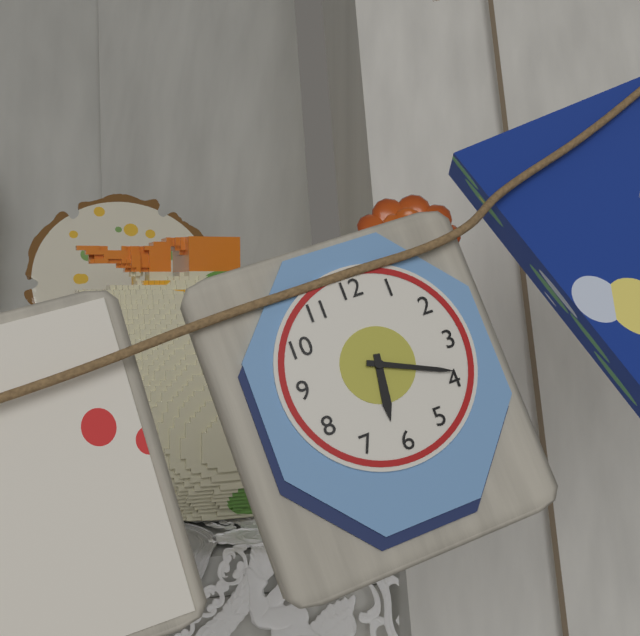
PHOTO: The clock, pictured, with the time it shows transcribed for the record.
6:19
